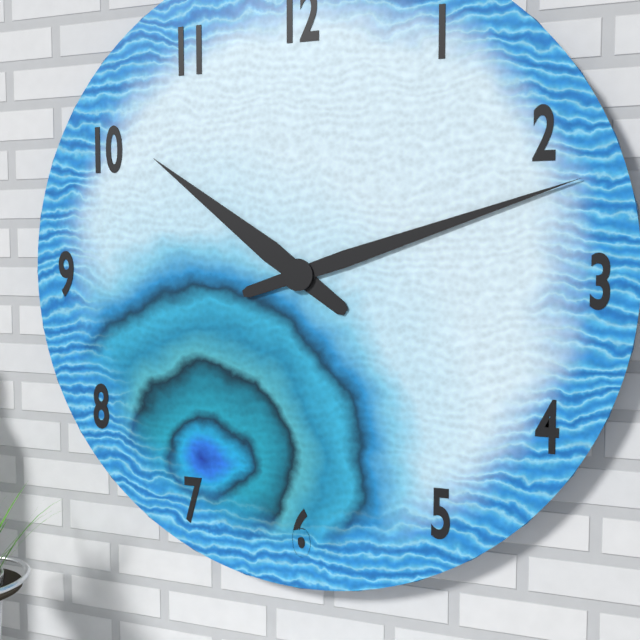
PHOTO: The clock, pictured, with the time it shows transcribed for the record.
10:12
